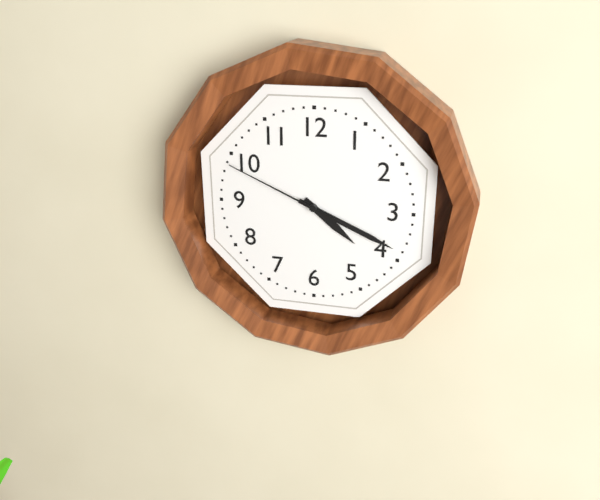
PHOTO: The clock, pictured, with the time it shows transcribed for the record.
4:19:49
